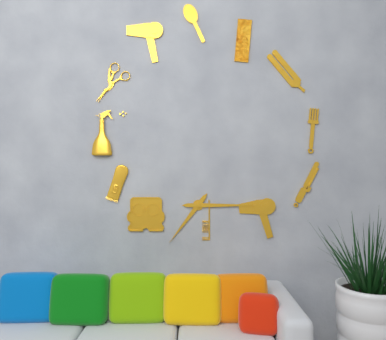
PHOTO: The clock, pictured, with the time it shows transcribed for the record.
7:15
